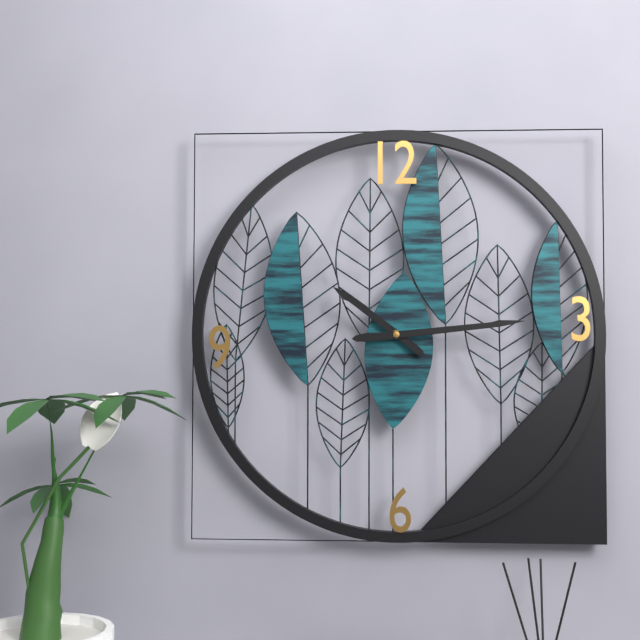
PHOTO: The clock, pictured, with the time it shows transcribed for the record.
10:14
